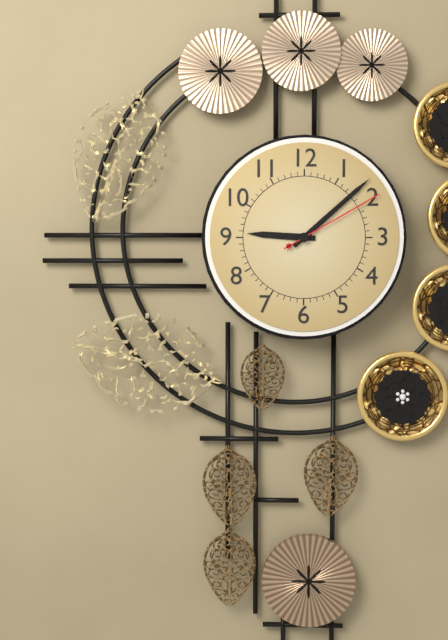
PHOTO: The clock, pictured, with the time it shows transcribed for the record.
9:08:10
